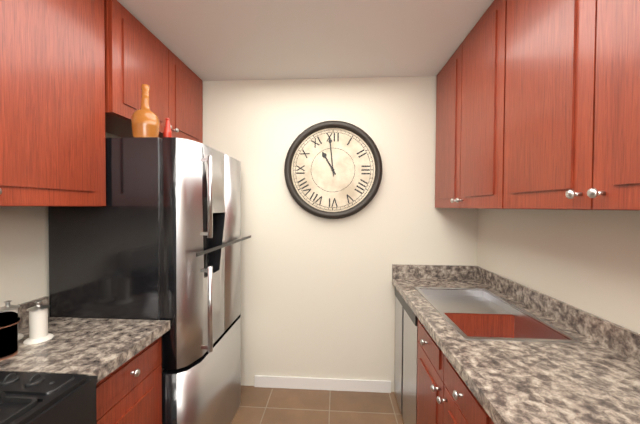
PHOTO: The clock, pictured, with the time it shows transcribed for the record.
10:59
